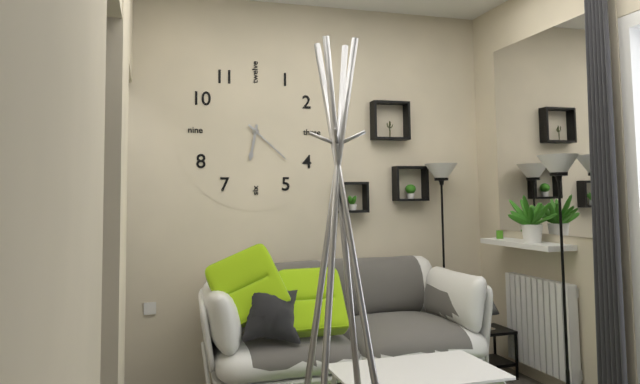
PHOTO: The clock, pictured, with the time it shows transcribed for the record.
6:22
